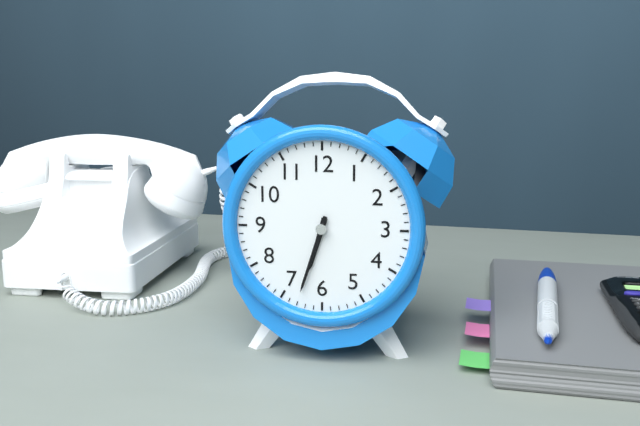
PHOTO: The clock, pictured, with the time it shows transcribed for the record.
6:33
